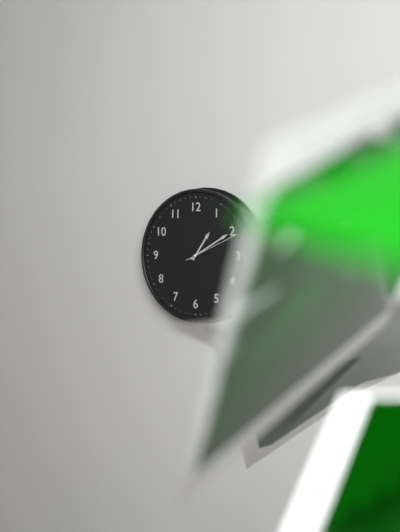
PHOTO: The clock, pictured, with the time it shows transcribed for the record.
1:10:11
